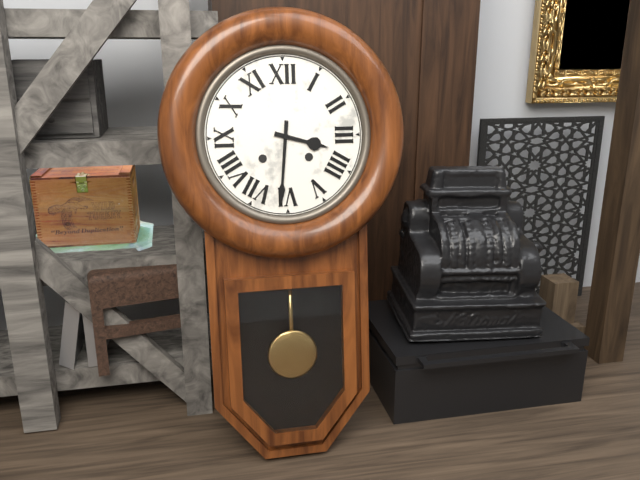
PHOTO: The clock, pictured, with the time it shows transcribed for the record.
3:31
